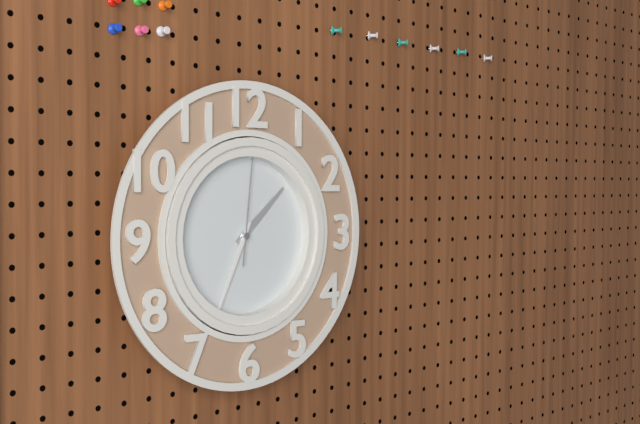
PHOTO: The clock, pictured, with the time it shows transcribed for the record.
1:34:01
